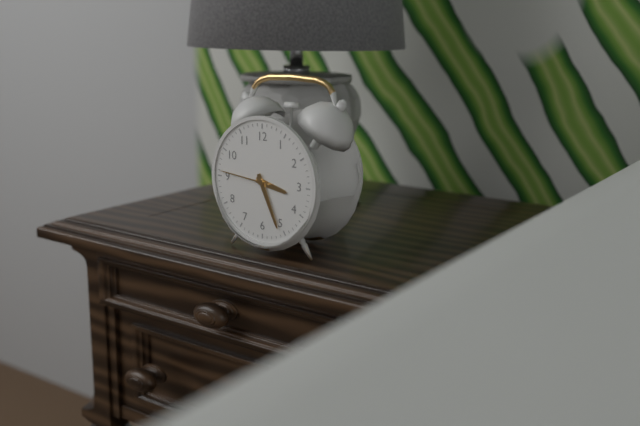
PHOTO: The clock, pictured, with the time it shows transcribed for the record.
3:26:46
